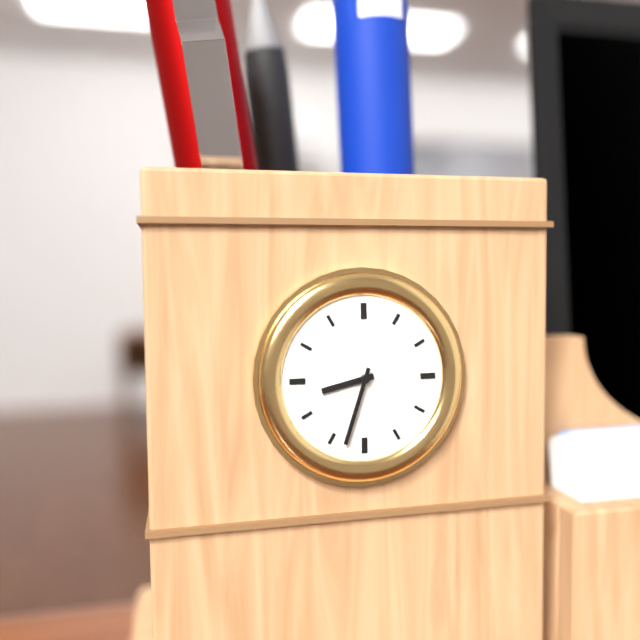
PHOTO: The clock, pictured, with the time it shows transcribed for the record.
8:33
